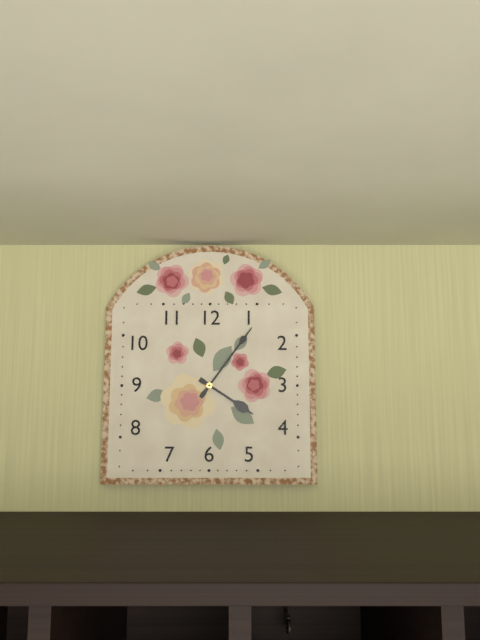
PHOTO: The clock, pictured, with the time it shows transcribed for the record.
4:06
